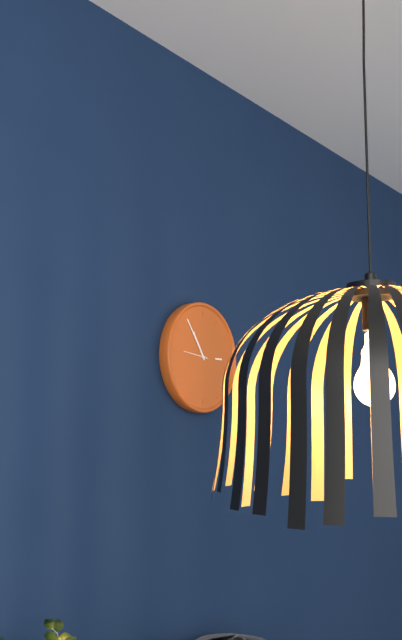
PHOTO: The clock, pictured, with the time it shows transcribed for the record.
10:54
